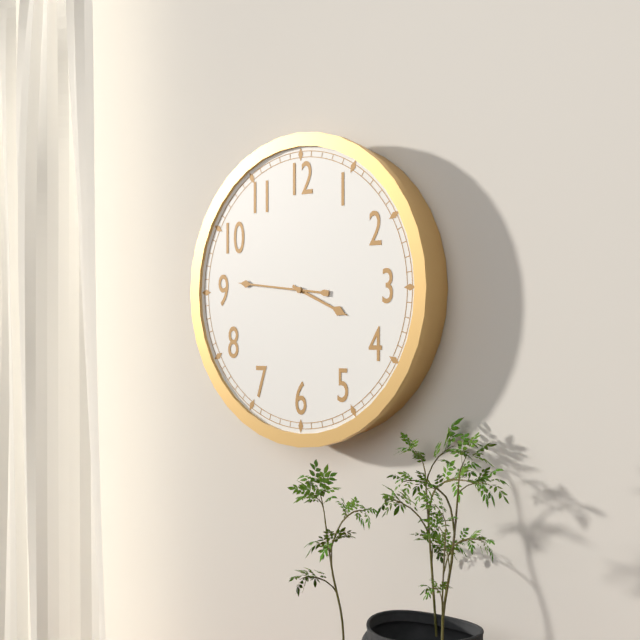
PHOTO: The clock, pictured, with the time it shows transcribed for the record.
3:46
